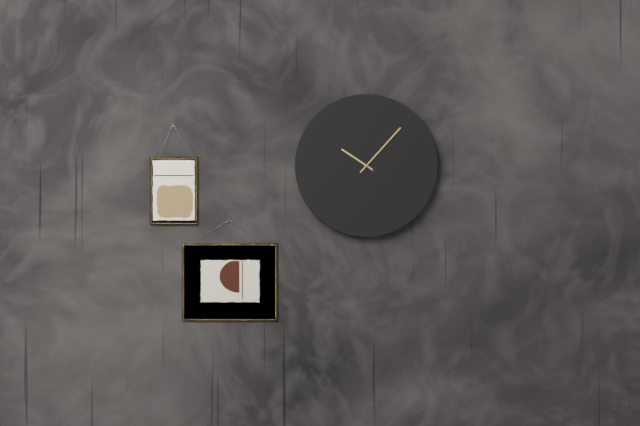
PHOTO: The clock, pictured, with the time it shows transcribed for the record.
10:07
